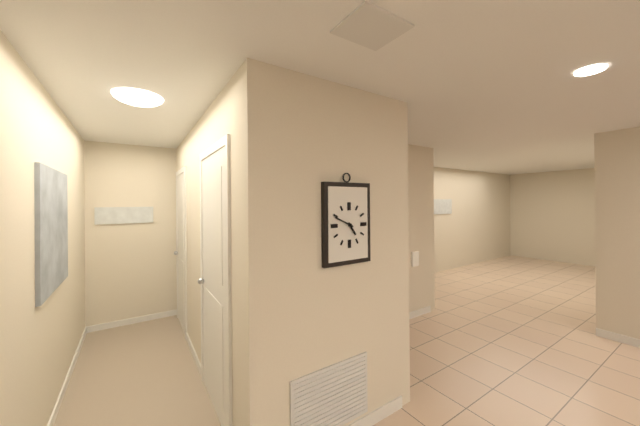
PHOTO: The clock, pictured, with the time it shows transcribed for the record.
4:49
